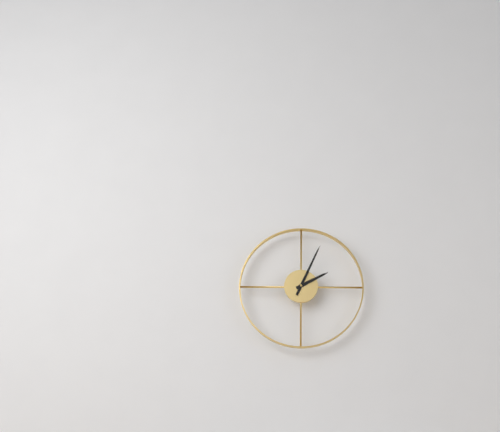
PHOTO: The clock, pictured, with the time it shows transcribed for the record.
2:04
